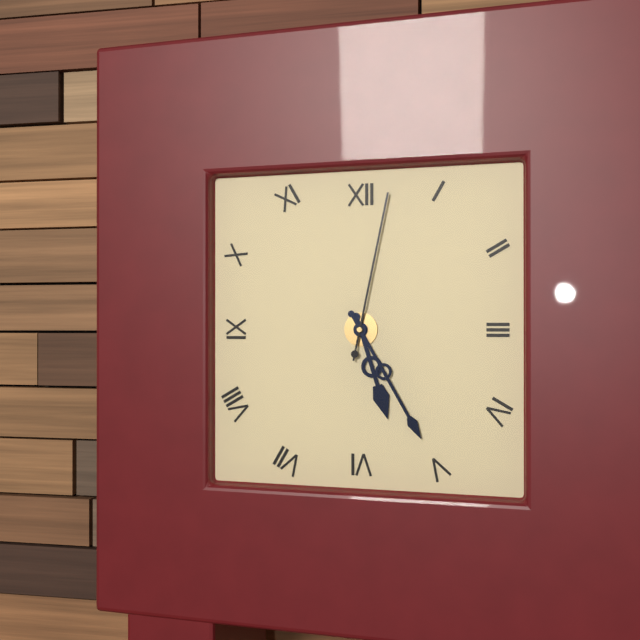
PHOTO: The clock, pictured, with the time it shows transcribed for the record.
5:25:02
